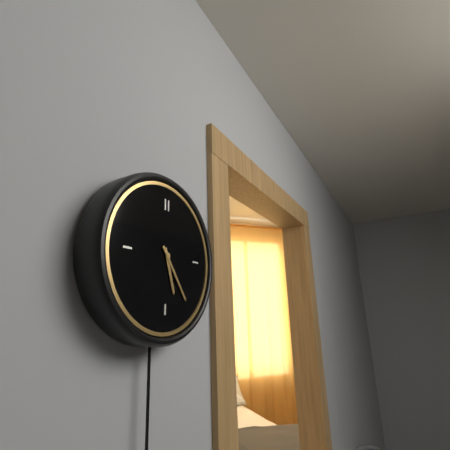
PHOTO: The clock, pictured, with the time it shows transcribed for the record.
5:24
